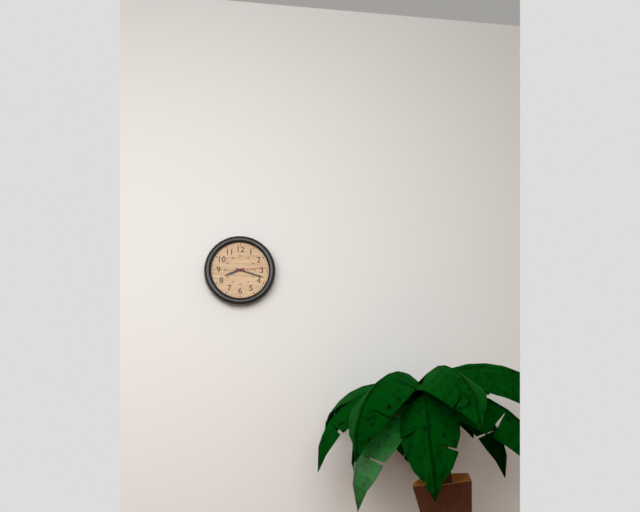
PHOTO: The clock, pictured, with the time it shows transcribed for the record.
8:18
